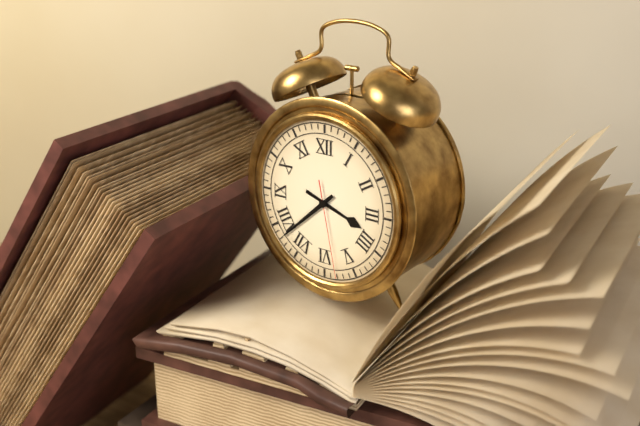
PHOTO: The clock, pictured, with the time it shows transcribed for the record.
3:38:28
